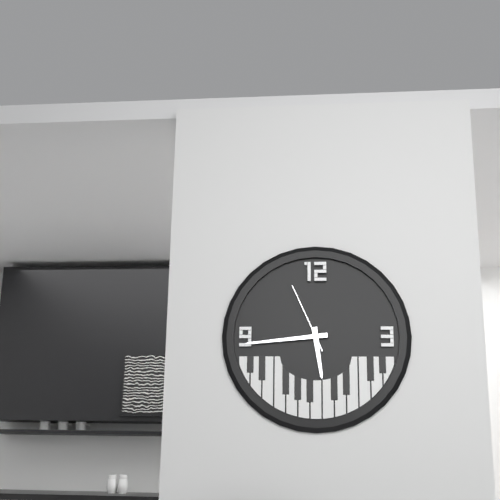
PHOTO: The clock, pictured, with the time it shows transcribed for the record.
5:44:56
